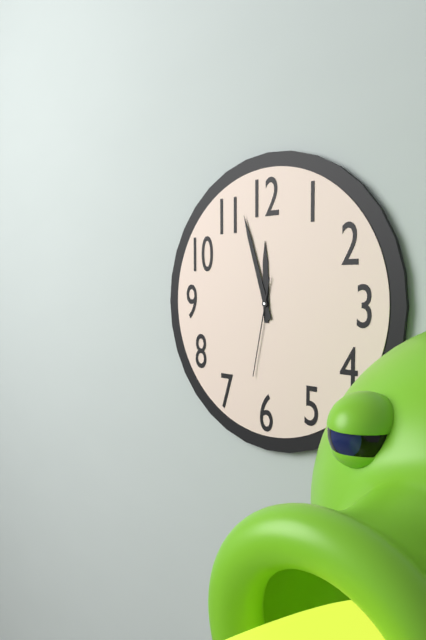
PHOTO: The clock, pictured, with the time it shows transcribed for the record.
11:57:32
